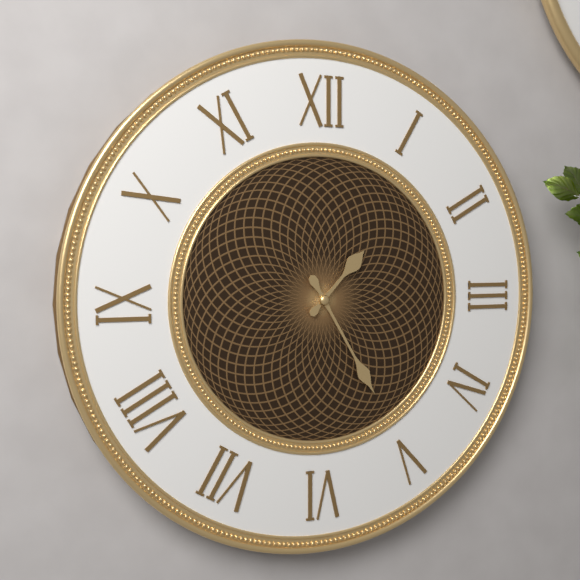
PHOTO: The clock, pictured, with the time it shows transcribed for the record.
1:25
